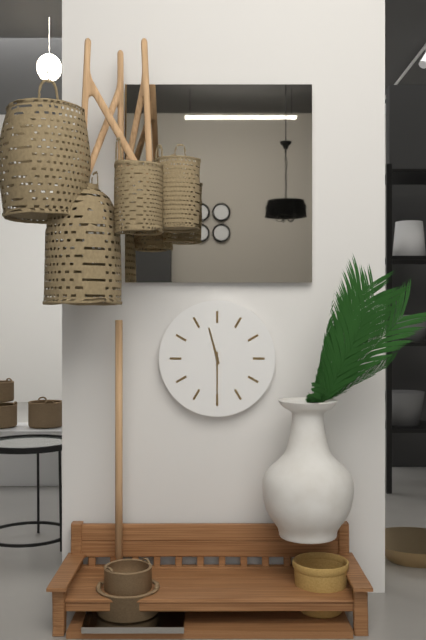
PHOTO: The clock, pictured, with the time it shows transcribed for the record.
11:30
